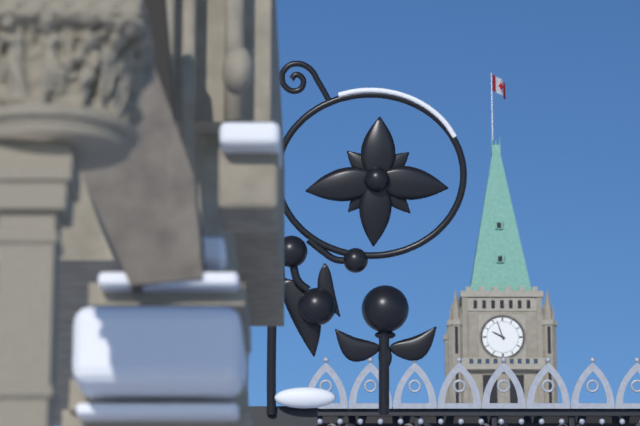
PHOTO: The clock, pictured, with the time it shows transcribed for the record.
9:57
